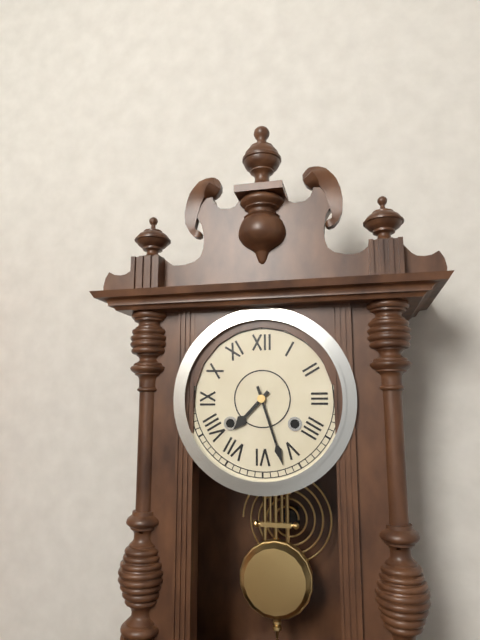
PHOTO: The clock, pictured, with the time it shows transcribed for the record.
7:27
